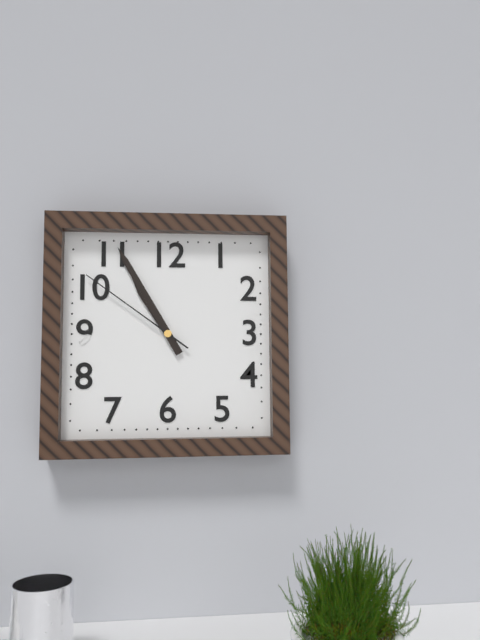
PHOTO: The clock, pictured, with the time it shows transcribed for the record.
10:55:51
